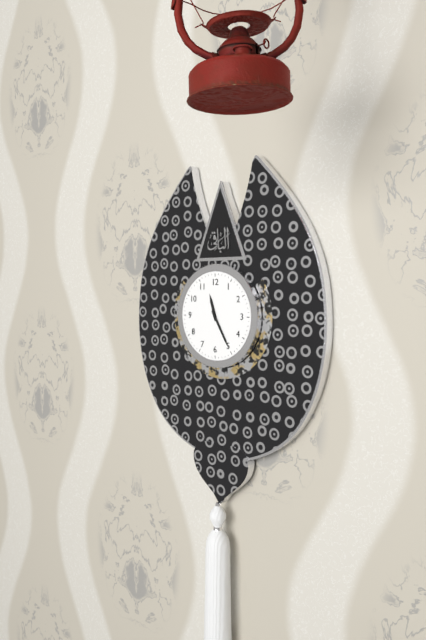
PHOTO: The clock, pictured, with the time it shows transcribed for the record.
11:25
